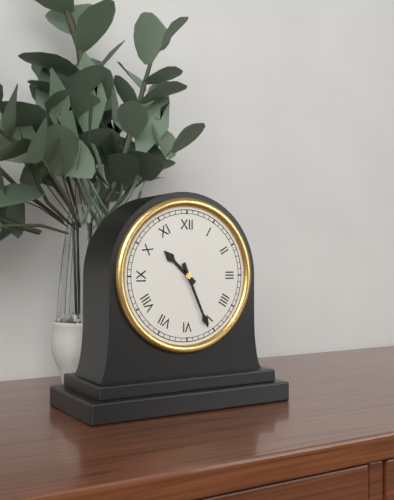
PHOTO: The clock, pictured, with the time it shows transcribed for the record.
10:26
